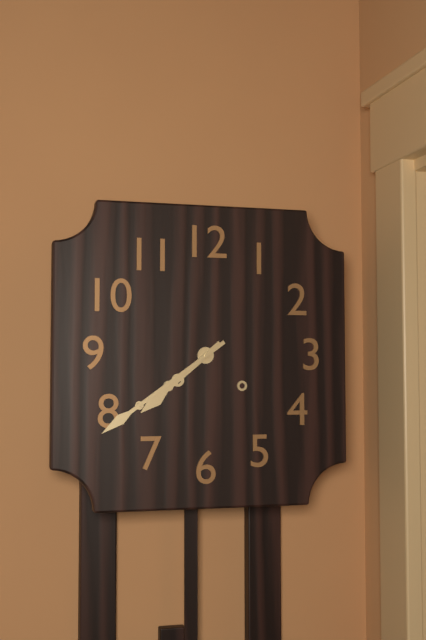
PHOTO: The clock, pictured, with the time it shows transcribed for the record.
7:39
